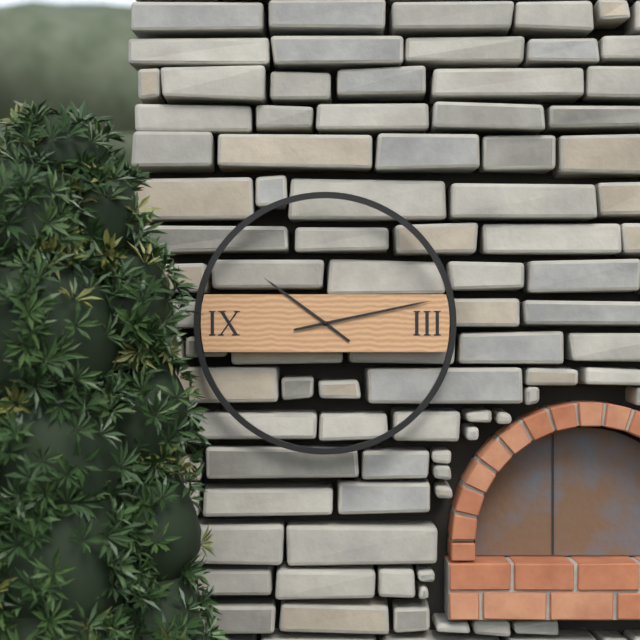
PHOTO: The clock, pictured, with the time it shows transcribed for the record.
10:13
